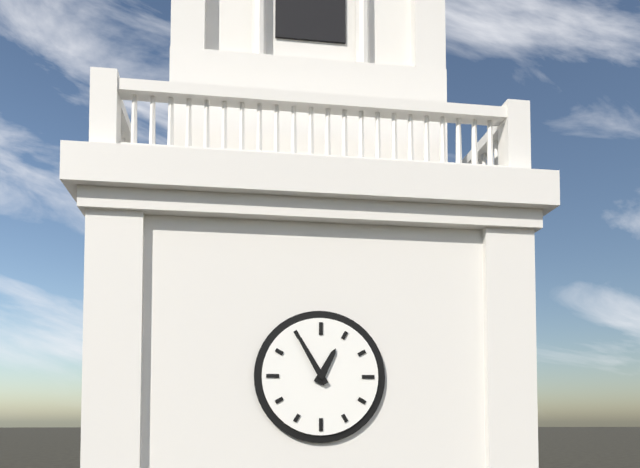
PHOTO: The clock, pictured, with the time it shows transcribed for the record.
12:55
